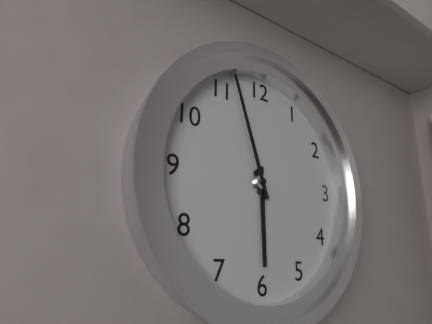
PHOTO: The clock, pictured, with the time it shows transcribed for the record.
5:57
